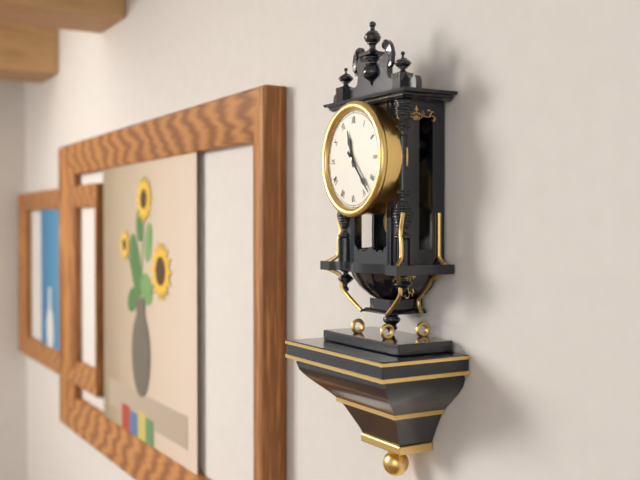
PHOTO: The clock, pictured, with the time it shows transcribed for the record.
11:23
